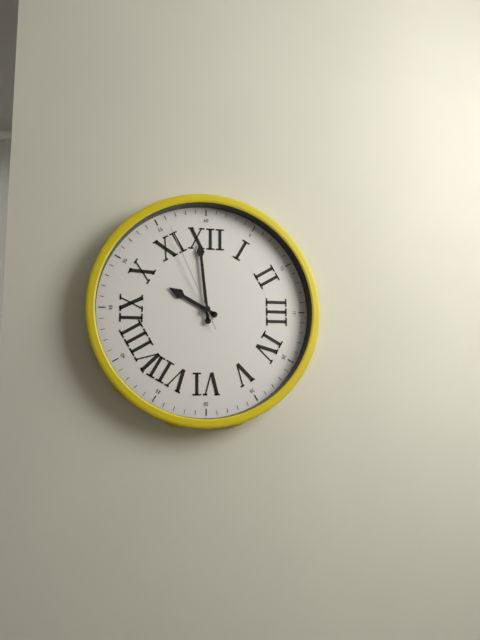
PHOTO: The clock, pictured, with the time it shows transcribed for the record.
9:59:56
